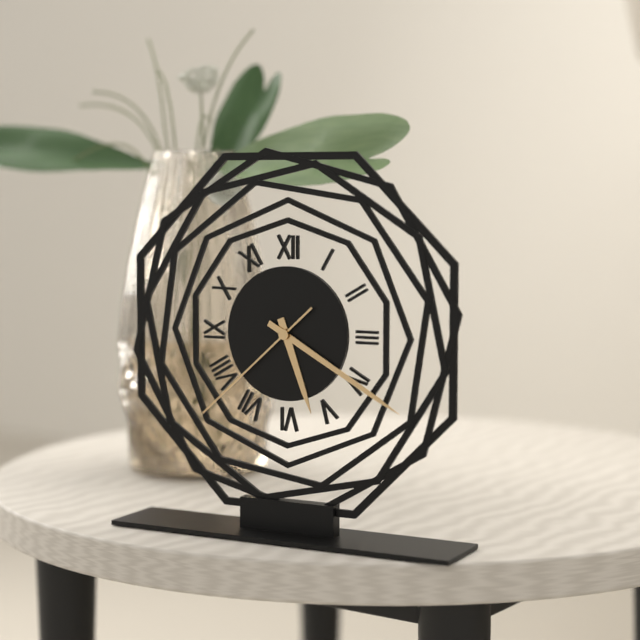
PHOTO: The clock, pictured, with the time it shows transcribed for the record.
5:20:38
